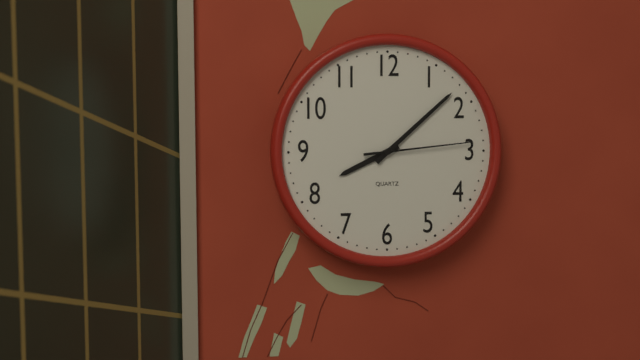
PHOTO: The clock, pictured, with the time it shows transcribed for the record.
8:08:14
